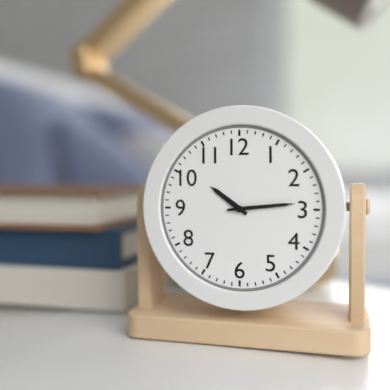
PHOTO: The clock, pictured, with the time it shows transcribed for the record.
10:14
